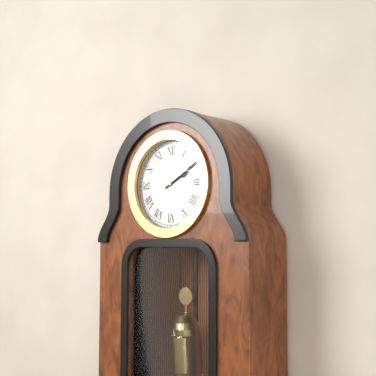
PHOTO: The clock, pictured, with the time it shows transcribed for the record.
2:10
